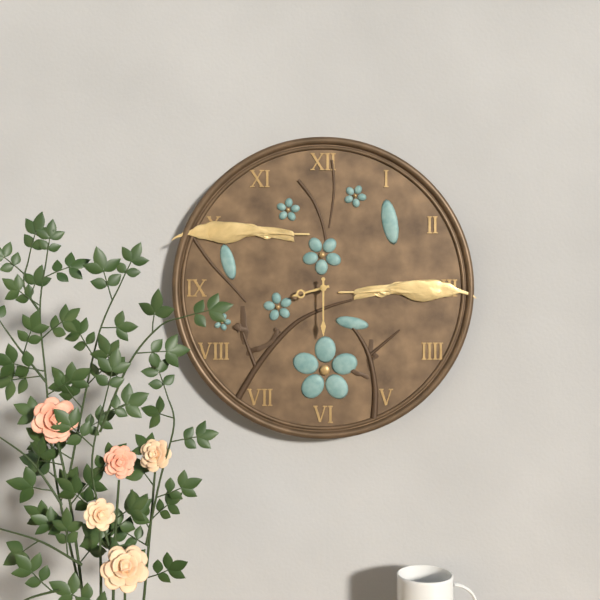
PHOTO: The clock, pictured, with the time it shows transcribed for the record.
8:30
